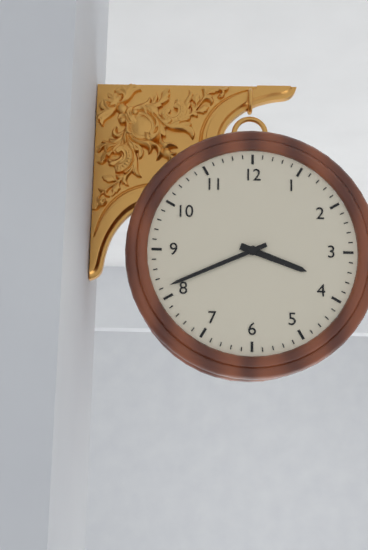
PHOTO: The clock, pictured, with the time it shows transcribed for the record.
3:41
